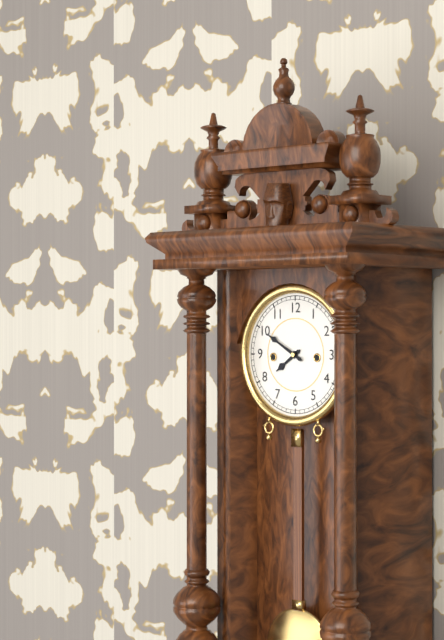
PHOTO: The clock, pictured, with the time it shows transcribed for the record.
7:50
